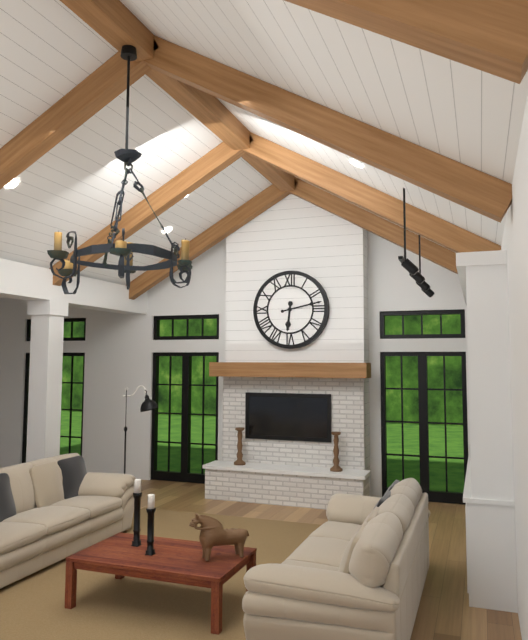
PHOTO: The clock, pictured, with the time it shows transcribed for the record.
6:13
